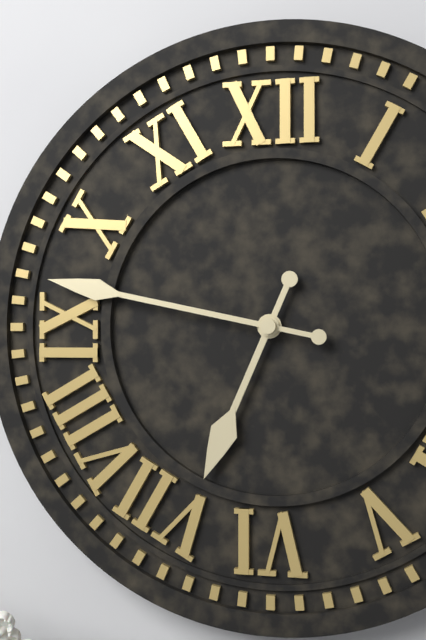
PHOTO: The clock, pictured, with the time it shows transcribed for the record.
6:47
